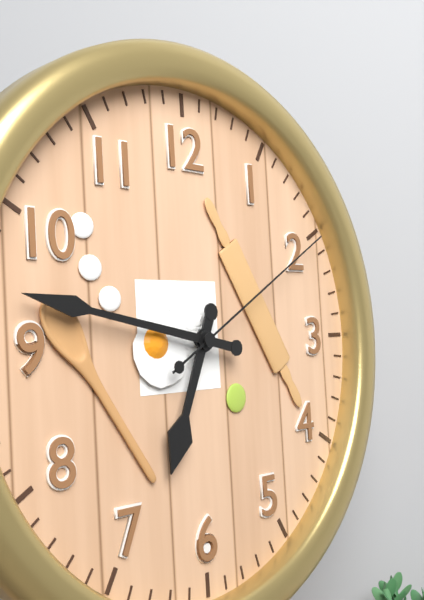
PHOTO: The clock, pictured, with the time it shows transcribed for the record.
6:47:10
